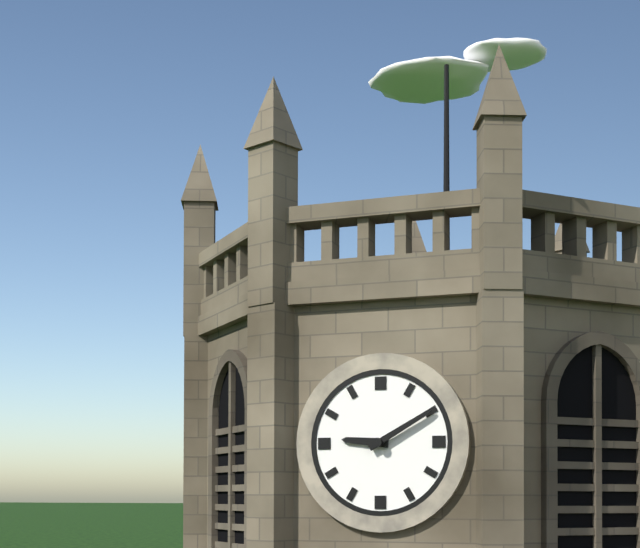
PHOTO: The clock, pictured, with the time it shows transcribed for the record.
9:10
